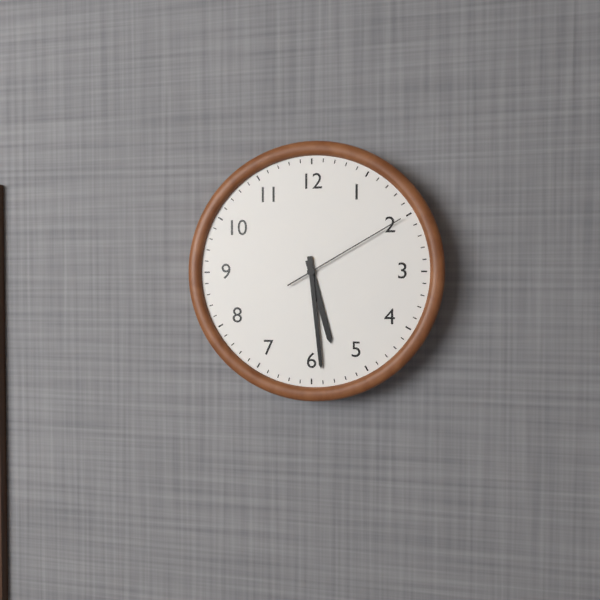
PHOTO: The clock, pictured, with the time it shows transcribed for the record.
5:29:10
